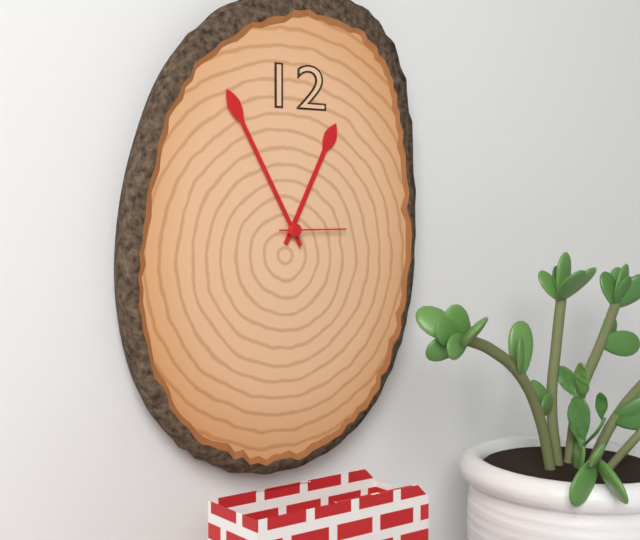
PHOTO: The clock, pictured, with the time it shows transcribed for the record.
12:55:15
